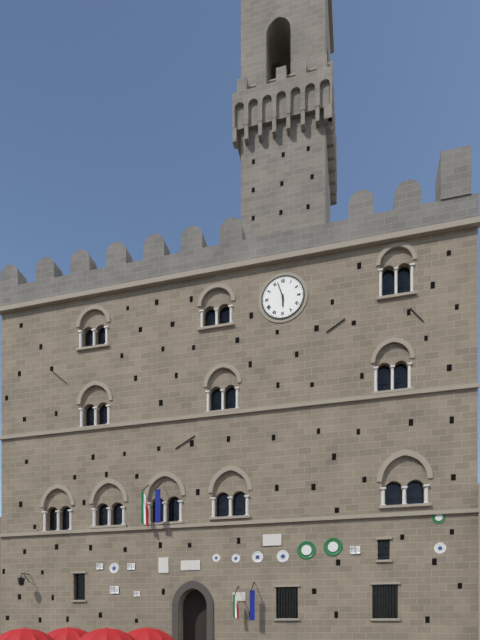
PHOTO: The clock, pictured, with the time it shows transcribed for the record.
5:57
